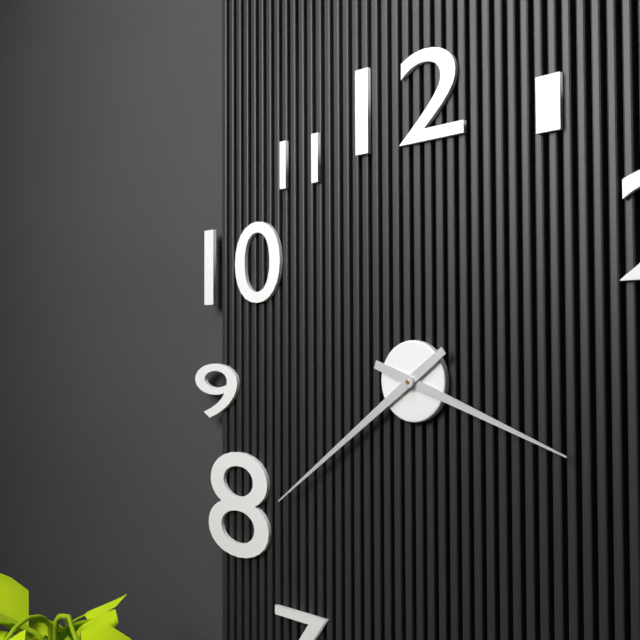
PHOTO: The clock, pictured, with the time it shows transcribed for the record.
3:39
